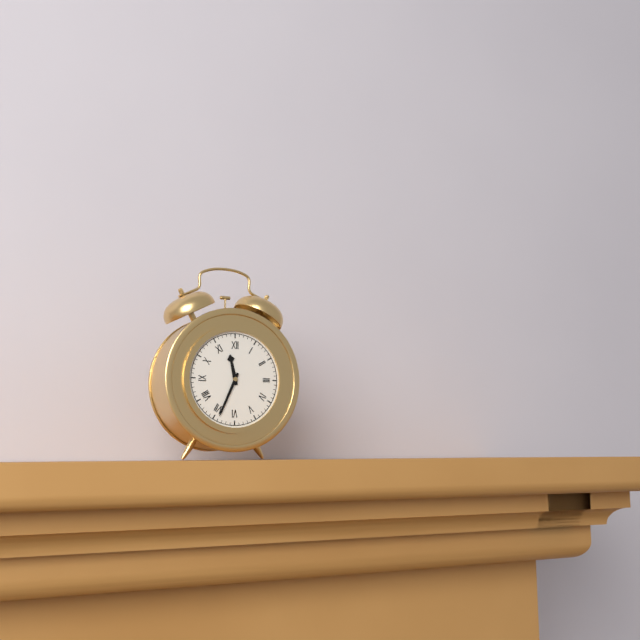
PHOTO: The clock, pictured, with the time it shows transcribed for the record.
11:34
